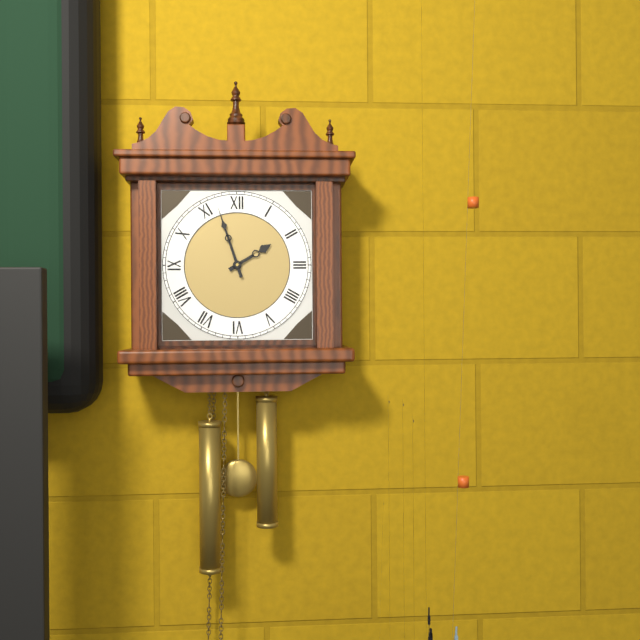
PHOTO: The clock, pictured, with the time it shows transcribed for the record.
1:57
